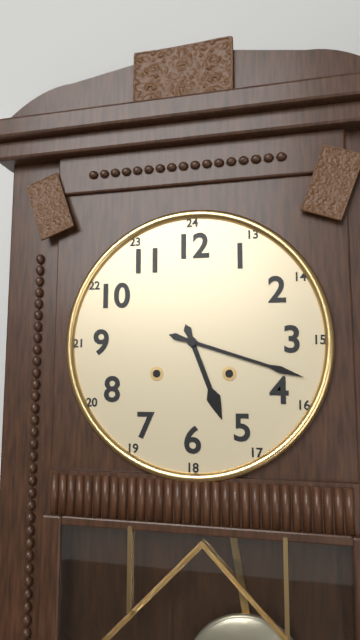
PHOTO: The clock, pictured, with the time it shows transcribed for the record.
5:18
